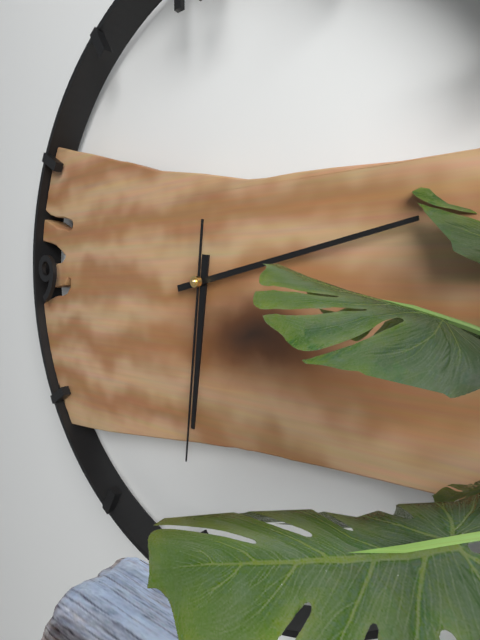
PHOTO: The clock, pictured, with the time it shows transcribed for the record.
6:13:31
